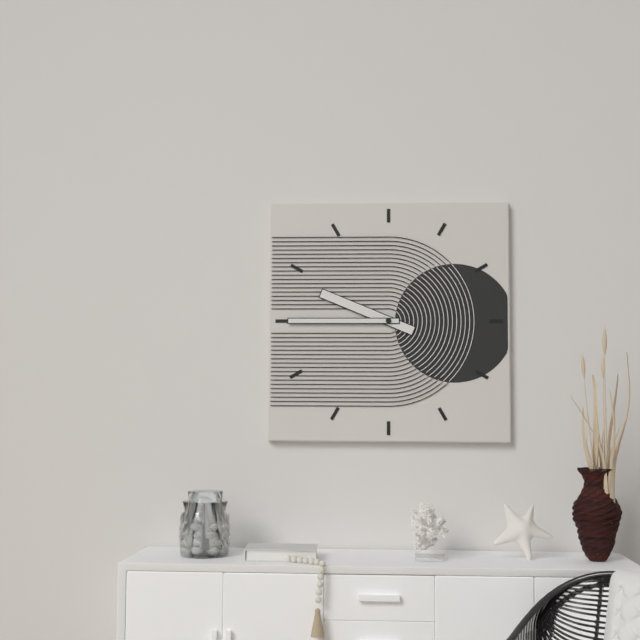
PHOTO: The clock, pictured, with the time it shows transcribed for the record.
9:45
